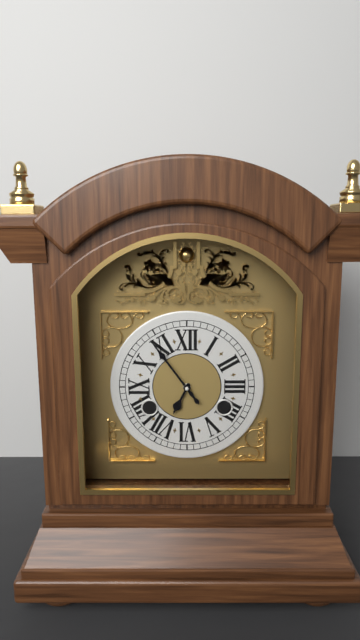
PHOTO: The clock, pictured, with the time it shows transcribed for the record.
6:54
